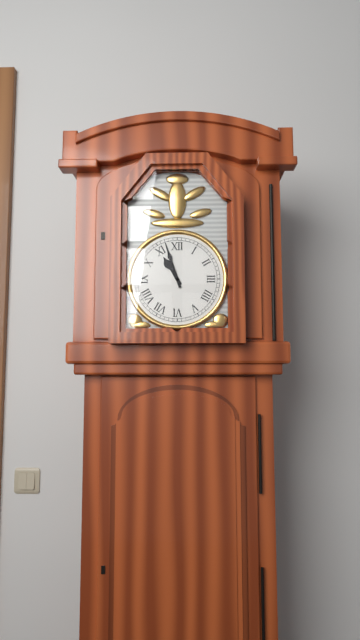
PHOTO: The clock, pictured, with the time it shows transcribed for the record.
10:57
